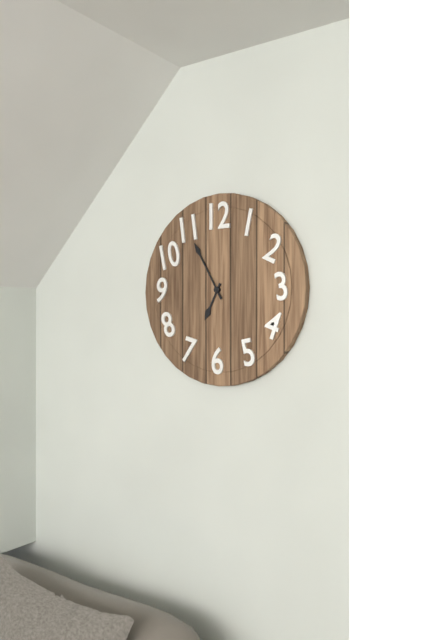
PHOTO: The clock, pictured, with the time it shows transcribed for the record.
6:55
